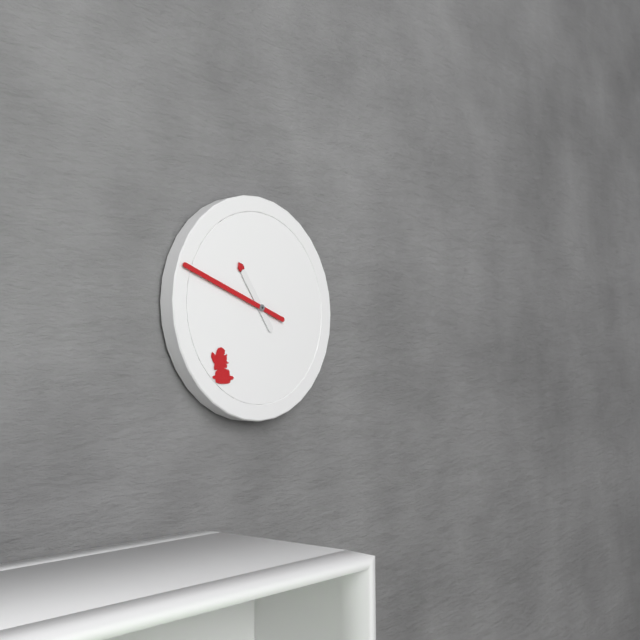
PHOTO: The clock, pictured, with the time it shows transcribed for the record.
10:48
